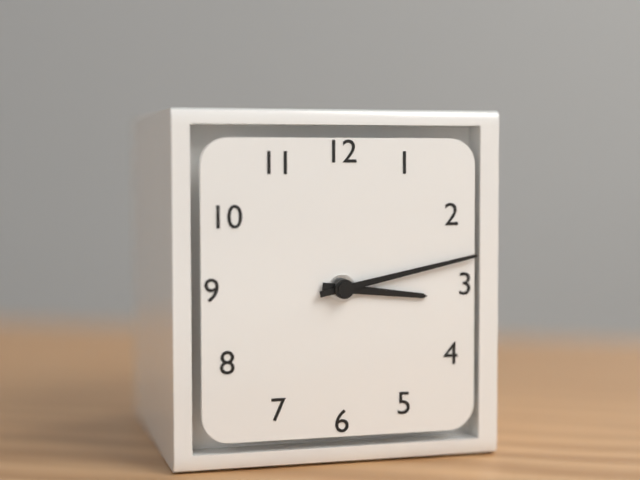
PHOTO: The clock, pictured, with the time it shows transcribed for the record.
3:13
